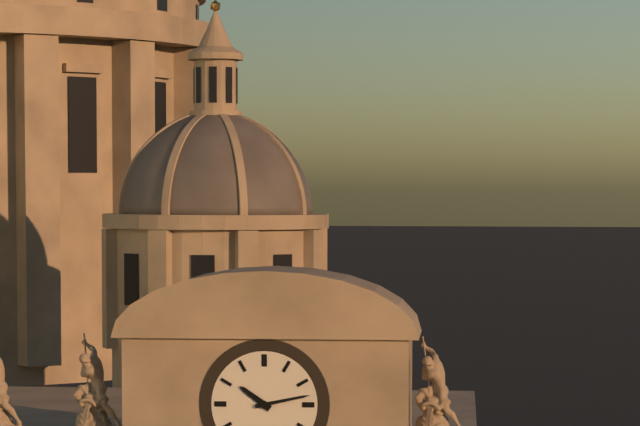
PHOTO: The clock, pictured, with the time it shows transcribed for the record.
10:13
